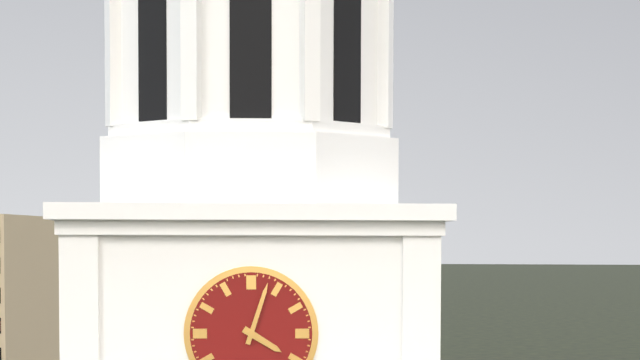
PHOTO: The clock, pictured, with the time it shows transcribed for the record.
4:03
